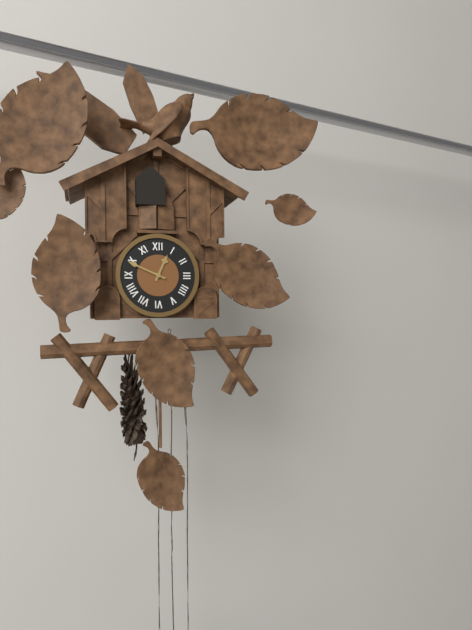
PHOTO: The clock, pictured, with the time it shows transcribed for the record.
12:49
